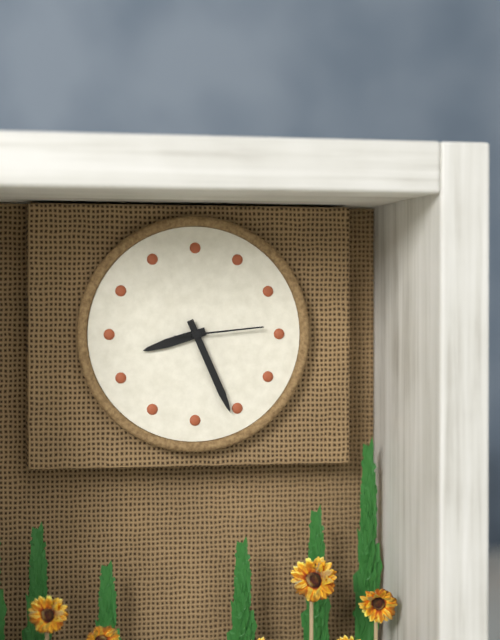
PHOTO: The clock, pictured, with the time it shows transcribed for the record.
8:26:14
